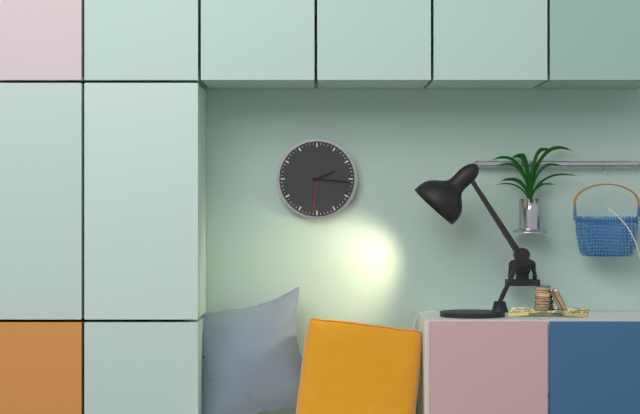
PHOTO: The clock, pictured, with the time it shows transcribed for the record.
2:16
